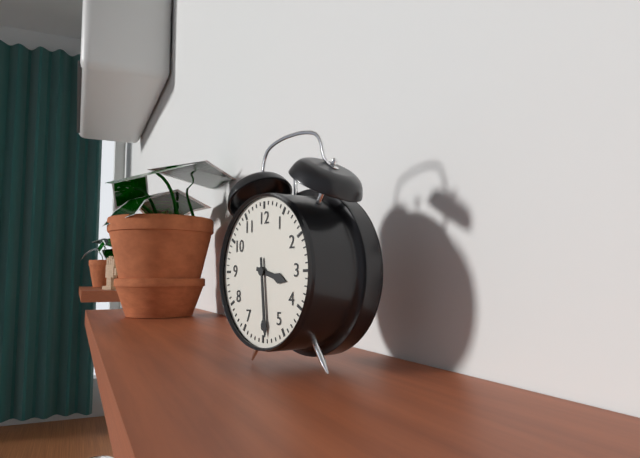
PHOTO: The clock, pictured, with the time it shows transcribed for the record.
3:29
